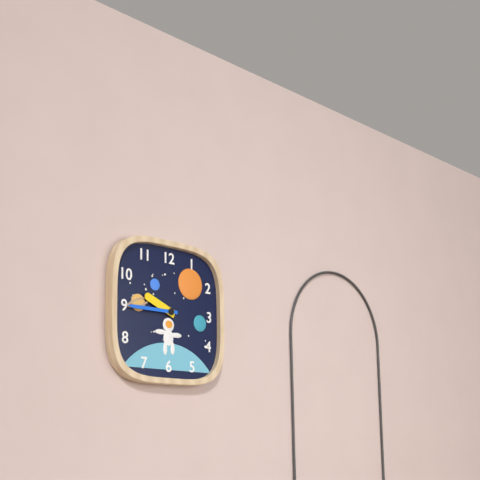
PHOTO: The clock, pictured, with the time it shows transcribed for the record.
9:45
